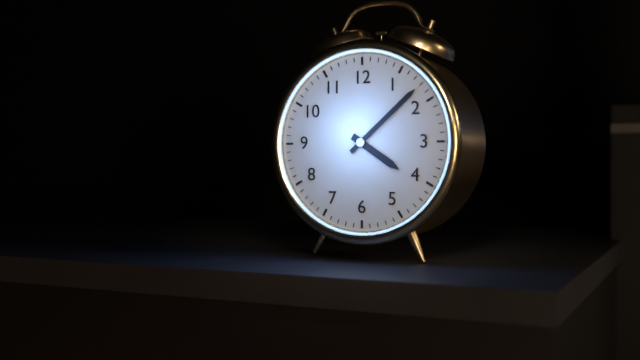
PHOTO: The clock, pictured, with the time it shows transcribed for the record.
4:08
